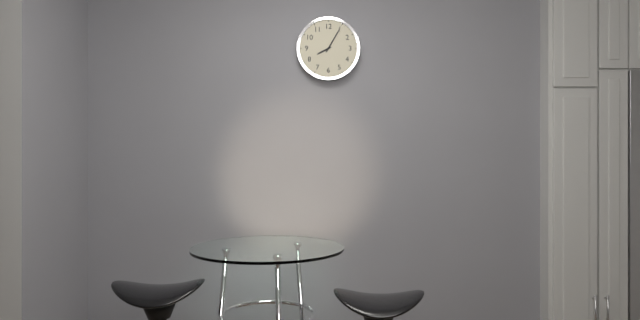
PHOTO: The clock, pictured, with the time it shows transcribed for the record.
8:05
